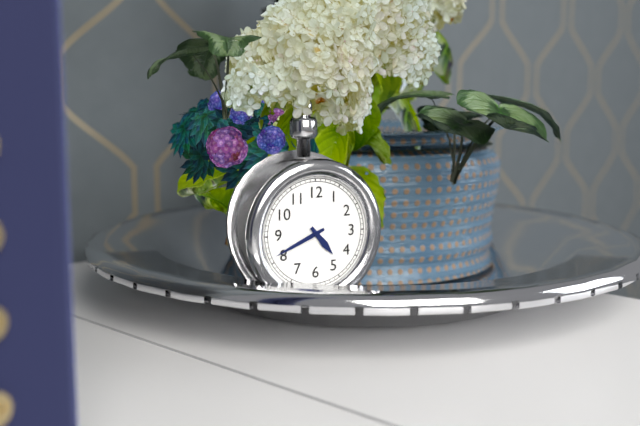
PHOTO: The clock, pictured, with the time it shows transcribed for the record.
4:41
